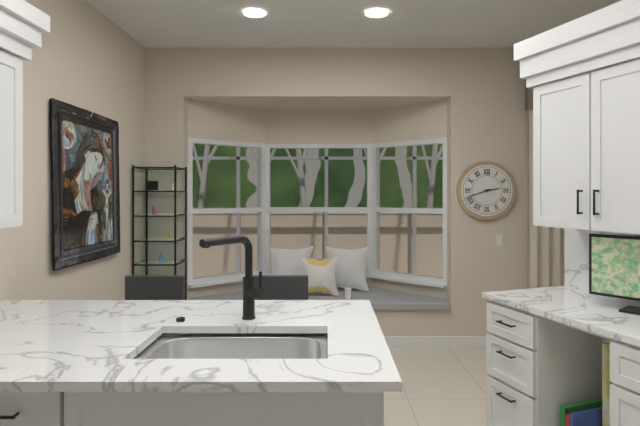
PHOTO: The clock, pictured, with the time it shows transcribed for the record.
2:42
